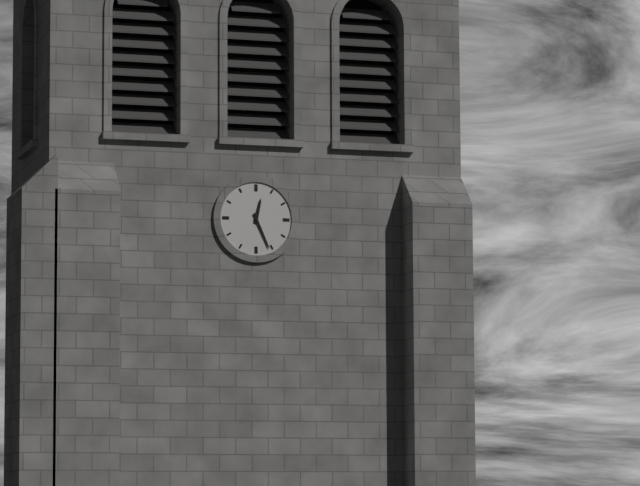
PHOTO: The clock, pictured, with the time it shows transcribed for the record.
12:26
